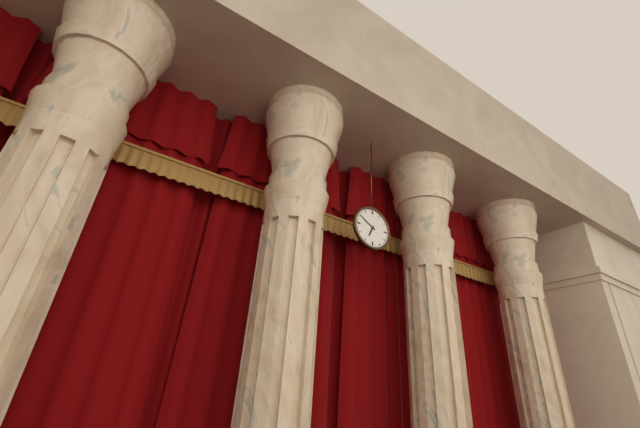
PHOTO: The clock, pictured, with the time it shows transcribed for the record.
6:50
